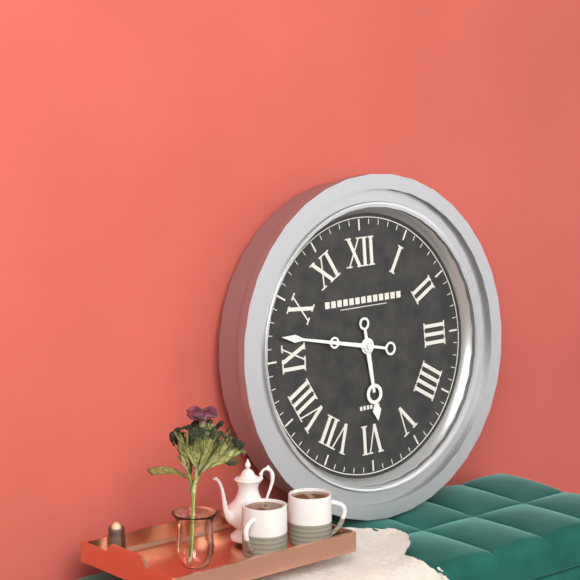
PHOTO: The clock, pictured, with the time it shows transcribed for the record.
5:47
